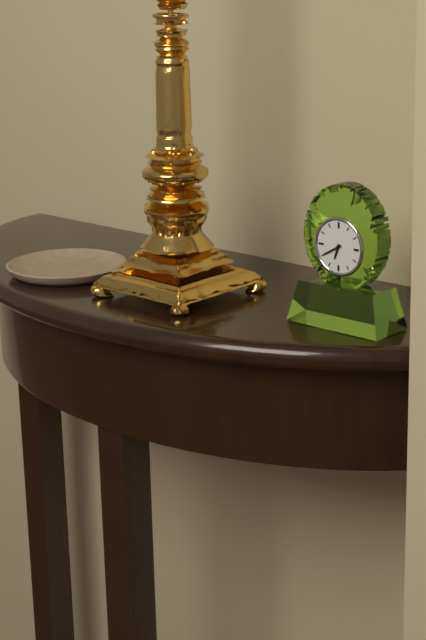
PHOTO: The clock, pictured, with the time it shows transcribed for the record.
6:40
